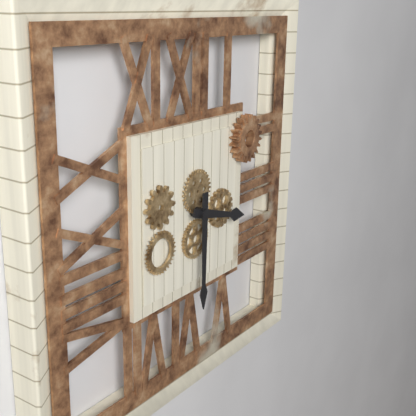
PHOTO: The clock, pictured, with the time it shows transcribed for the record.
3:30
